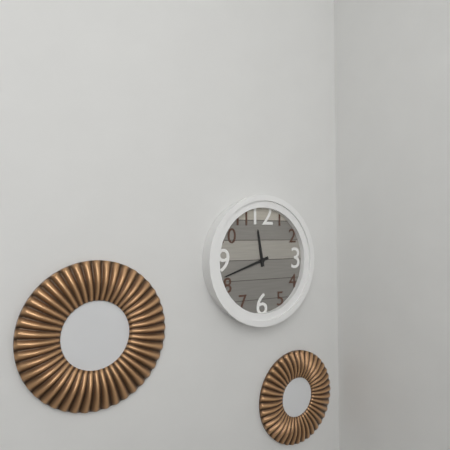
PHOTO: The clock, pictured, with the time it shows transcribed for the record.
11:42
